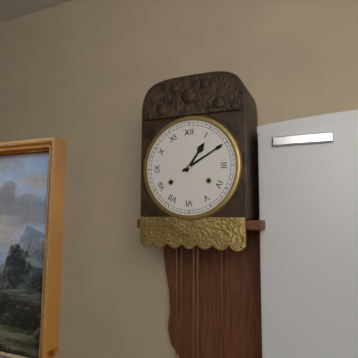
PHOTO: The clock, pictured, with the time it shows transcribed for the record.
1:10
